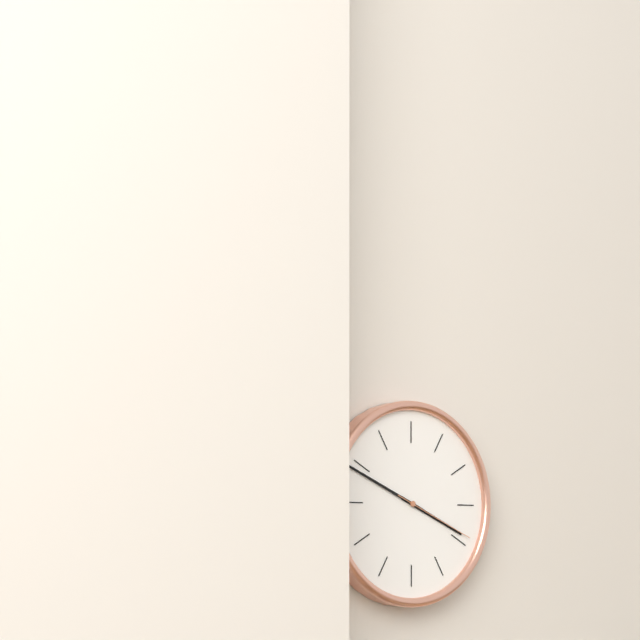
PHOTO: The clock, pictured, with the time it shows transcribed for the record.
3:49:19
